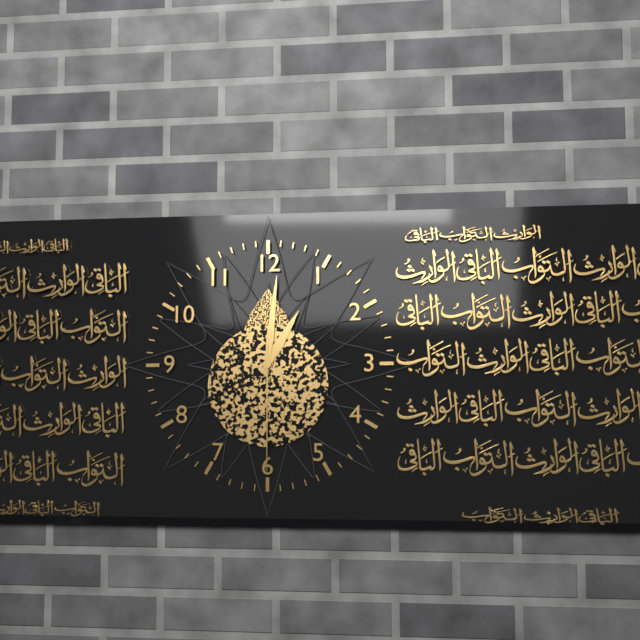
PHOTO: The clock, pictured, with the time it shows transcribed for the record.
1:01:30
